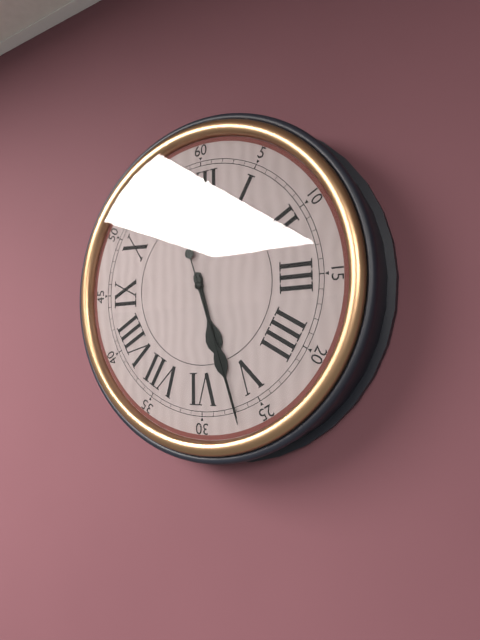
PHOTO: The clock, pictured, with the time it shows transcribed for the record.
5:27:27
